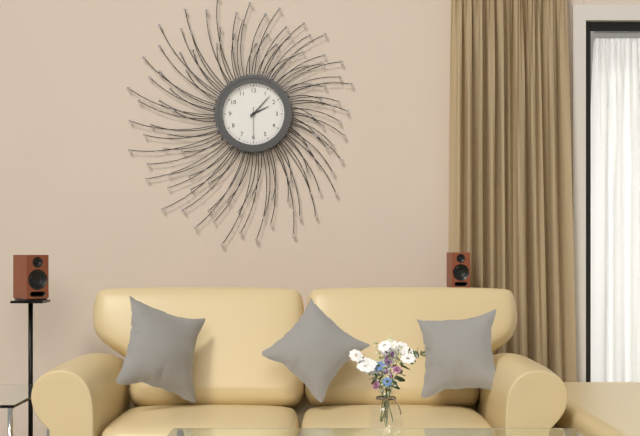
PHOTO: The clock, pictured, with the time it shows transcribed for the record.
2:07
